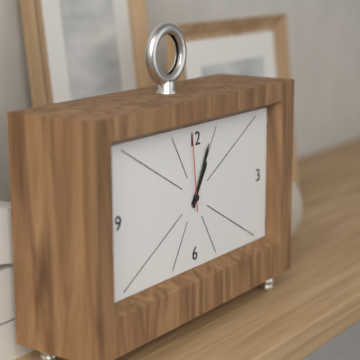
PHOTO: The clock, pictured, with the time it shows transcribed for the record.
1:04:59
